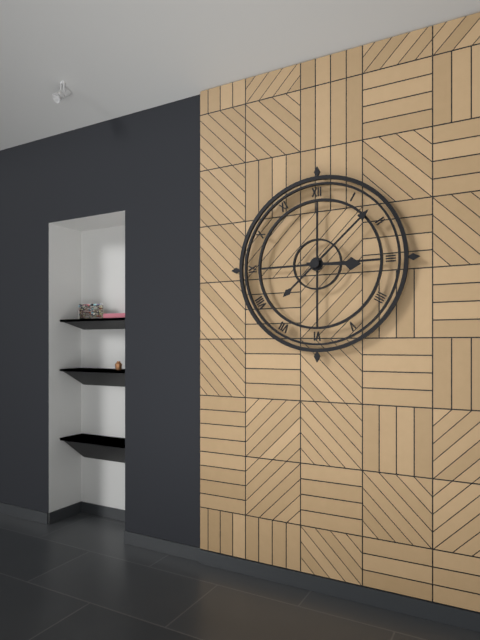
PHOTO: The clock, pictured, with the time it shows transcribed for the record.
3:08
